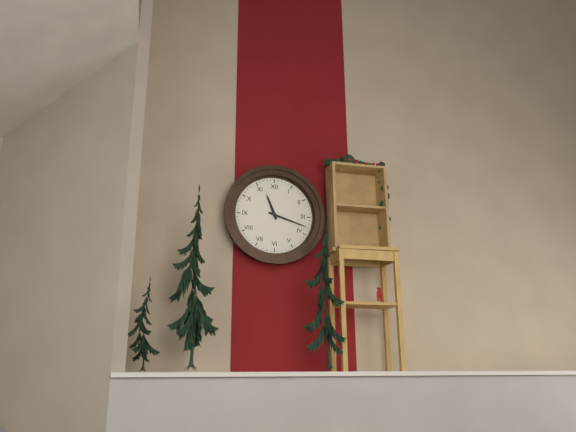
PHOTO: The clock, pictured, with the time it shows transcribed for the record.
11:18
